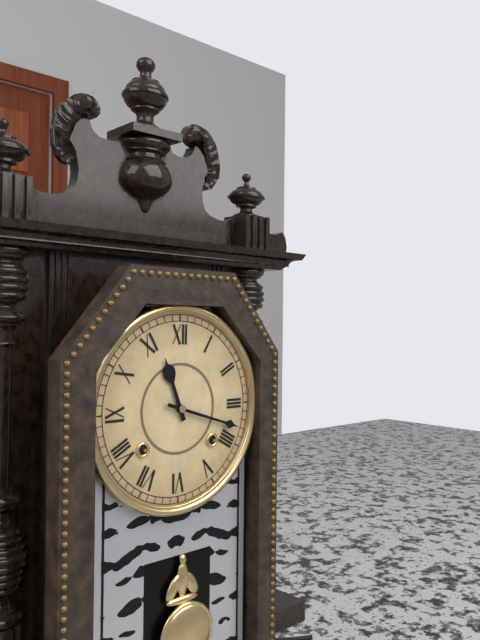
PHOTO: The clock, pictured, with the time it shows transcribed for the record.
11:18
